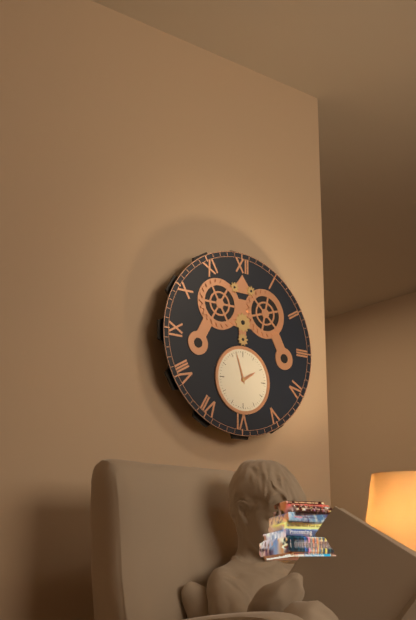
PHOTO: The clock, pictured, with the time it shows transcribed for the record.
1:57
